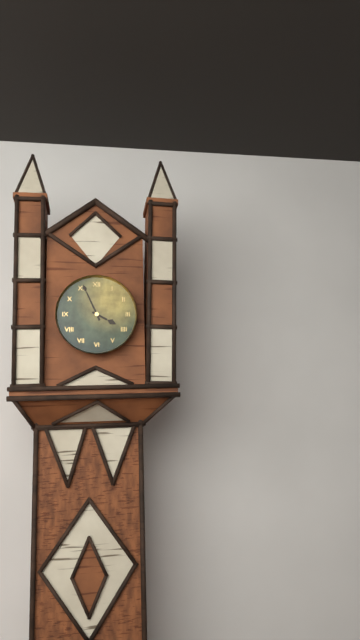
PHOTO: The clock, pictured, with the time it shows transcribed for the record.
3:56
